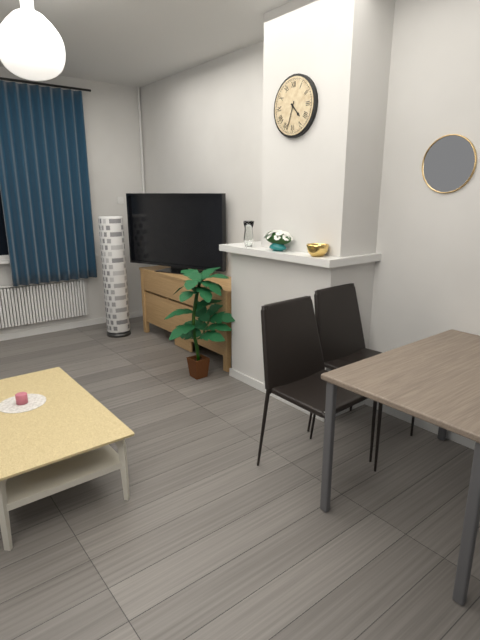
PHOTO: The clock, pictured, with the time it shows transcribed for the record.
4:33
